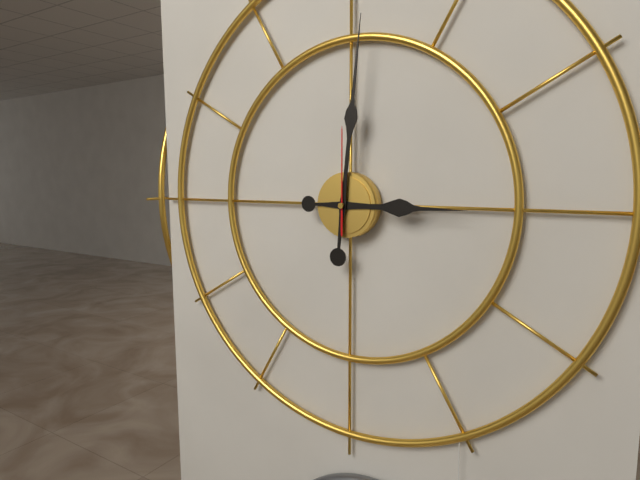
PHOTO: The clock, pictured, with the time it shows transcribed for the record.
3:01:00
